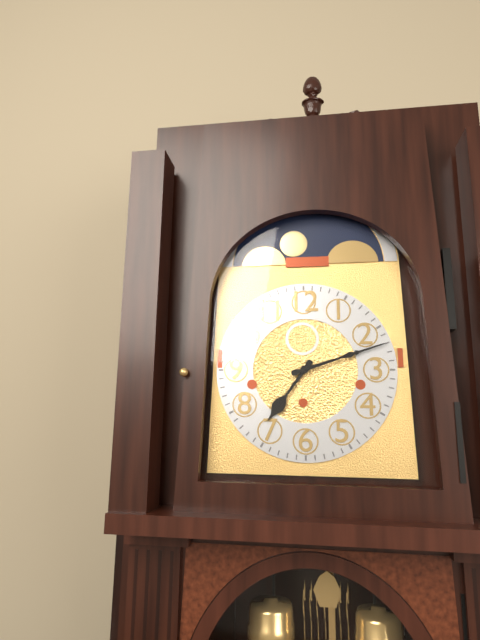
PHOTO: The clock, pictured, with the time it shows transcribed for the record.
7:12
